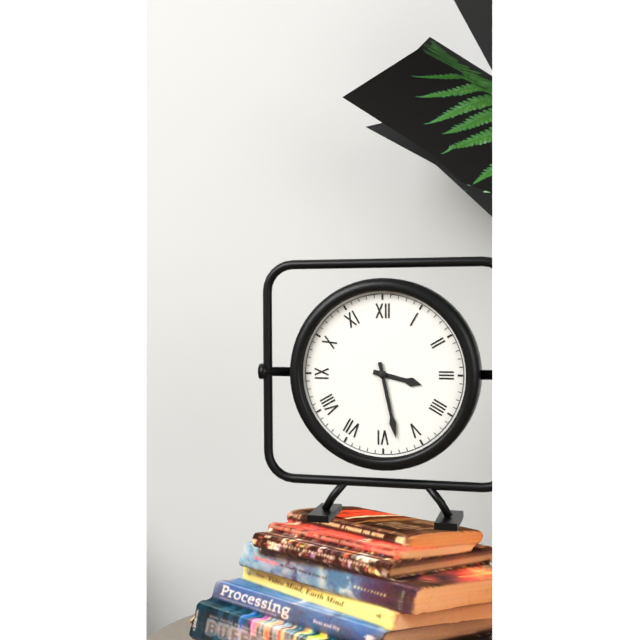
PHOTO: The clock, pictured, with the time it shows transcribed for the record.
3:28
